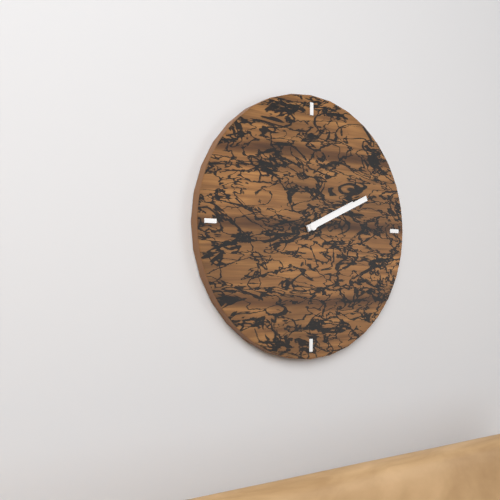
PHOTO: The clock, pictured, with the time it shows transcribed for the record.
2:11
